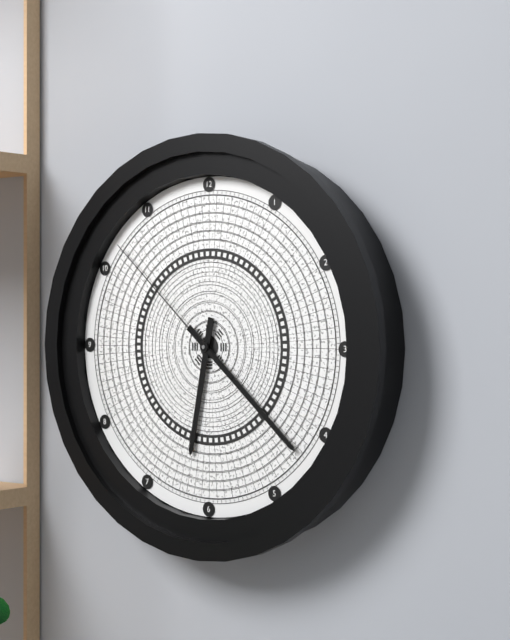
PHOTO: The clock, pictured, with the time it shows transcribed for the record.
6:22:52
